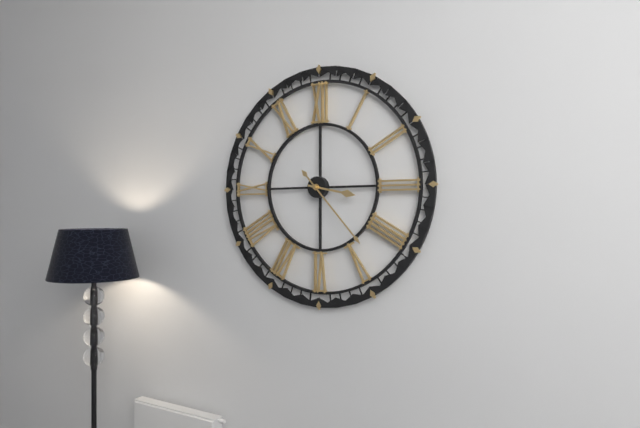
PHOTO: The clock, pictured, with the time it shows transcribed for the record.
3:23
